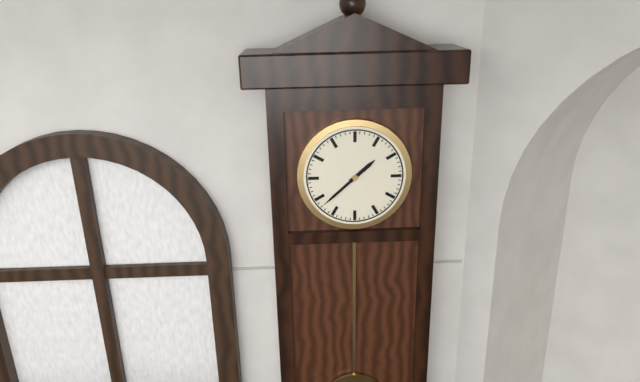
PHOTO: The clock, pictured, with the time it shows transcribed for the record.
1:38
